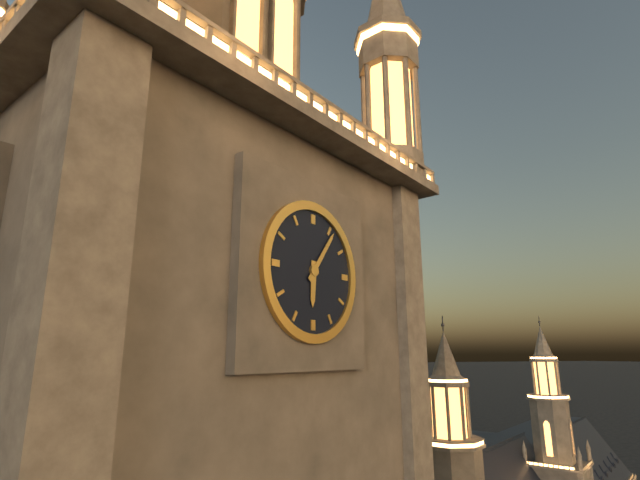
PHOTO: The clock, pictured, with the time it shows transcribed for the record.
6:06
